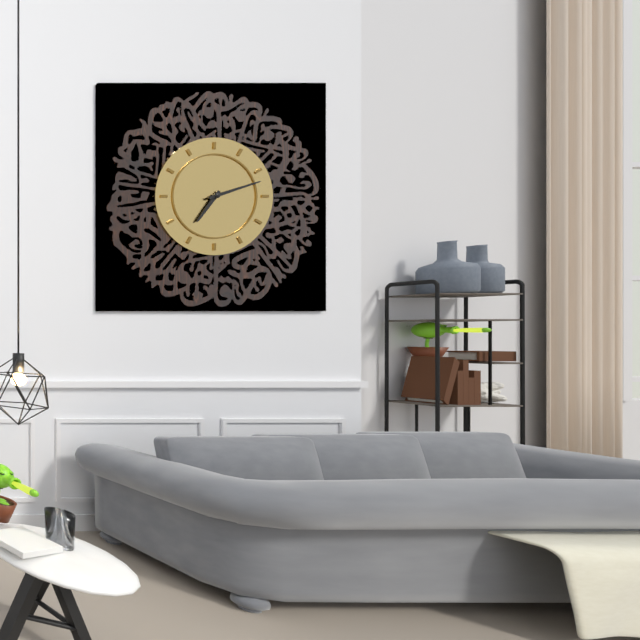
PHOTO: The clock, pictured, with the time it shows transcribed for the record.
7:12
